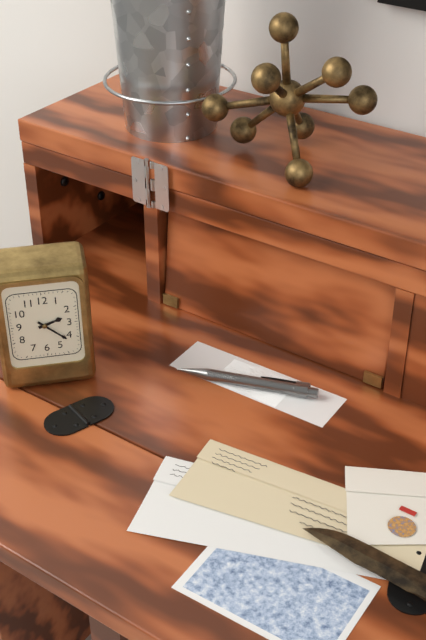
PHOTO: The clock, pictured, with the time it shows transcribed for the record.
2:22
